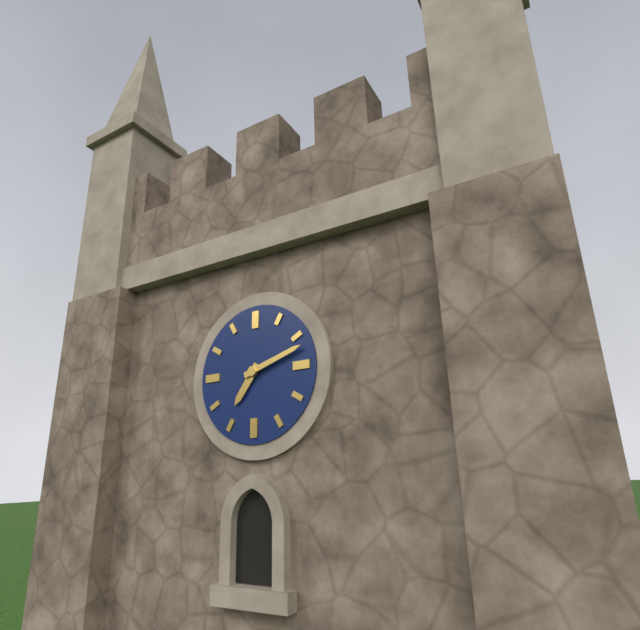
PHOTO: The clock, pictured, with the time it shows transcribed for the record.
7:12
